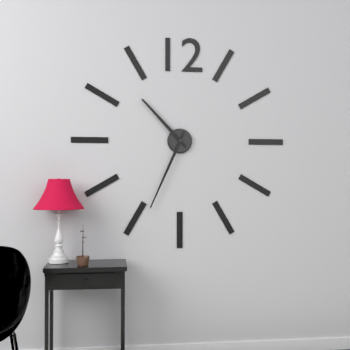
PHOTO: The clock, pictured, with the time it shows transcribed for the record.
10:34
